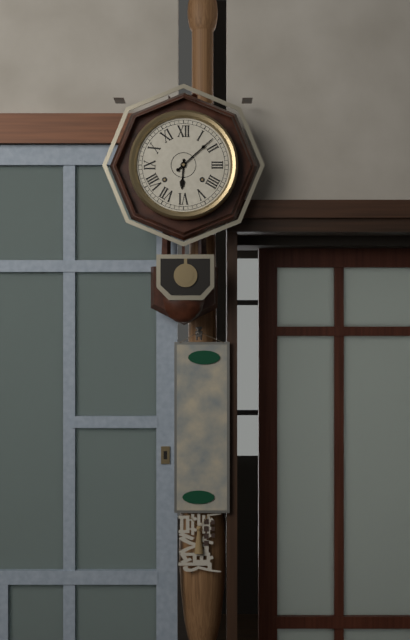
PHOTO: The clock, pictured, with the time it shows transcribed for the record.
6:08
